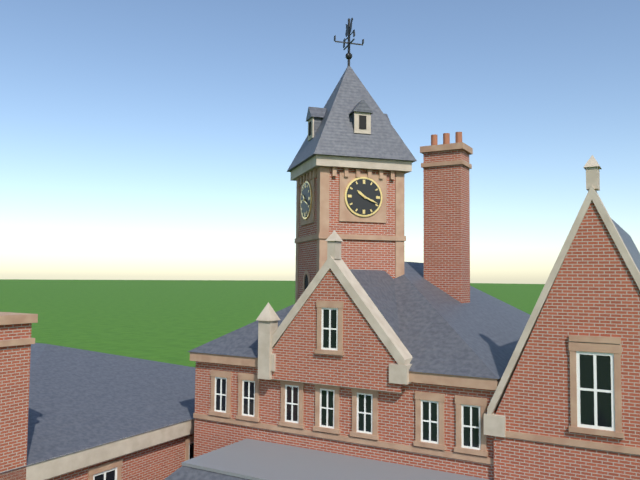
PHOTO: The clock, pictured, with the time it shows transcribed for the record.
10:19
